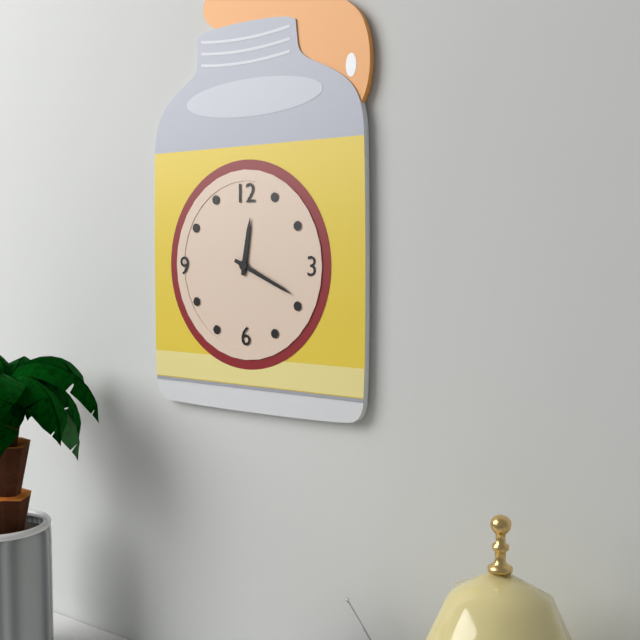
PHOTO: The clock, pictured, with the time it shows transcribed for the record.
12:19
